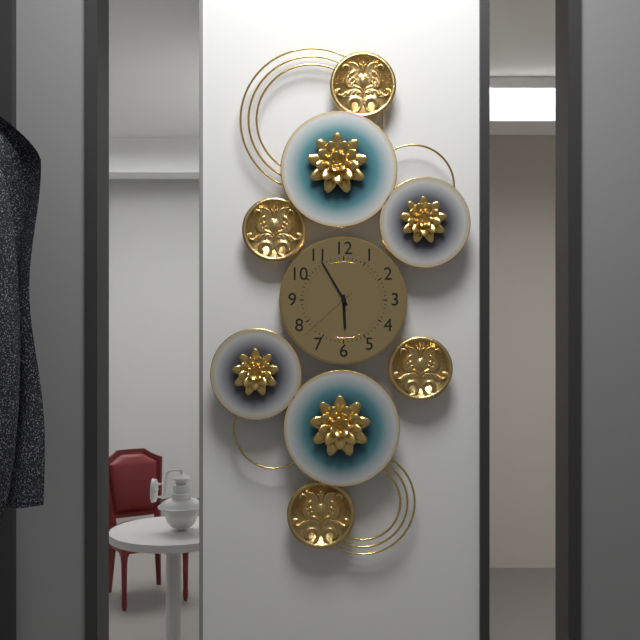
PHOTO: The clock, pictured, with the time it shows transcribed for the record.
5:55:38
